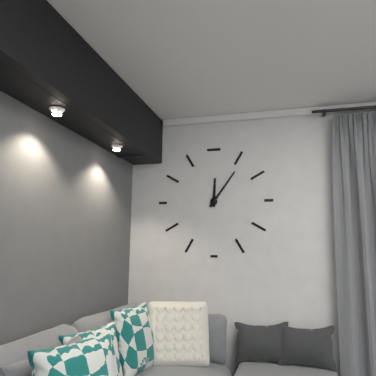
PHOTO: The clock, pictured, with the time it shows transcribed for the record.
12:06
